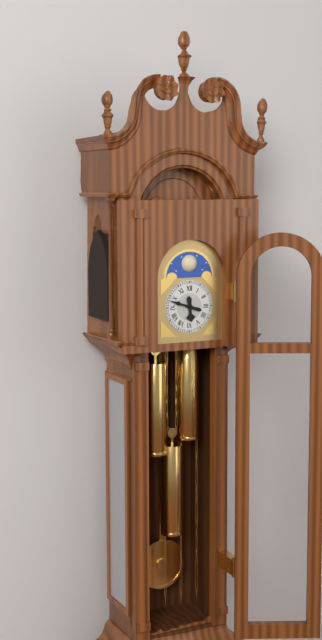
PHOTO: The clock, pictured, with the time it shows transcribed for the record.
5:48
